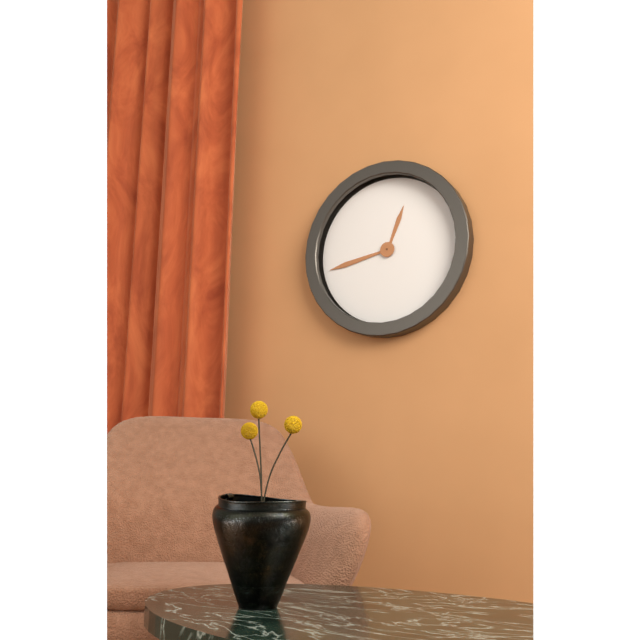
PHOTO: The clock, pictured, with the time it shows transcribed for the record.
12:43
